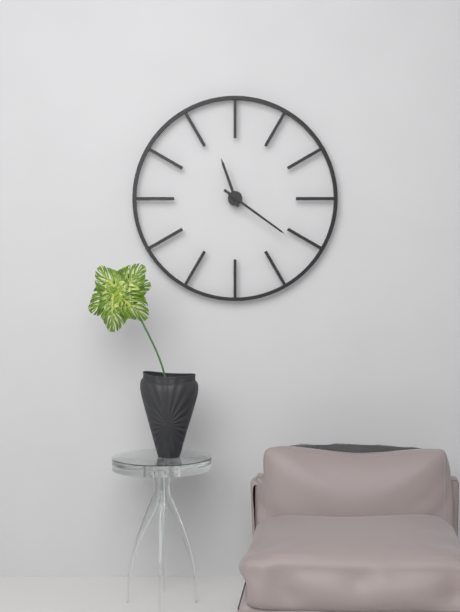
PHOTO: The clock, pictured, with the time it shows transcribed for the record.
11:21
